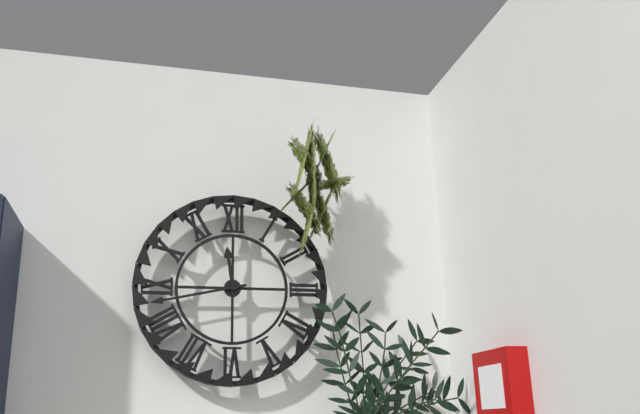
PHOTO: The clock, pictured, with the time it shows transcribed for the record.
11:43
